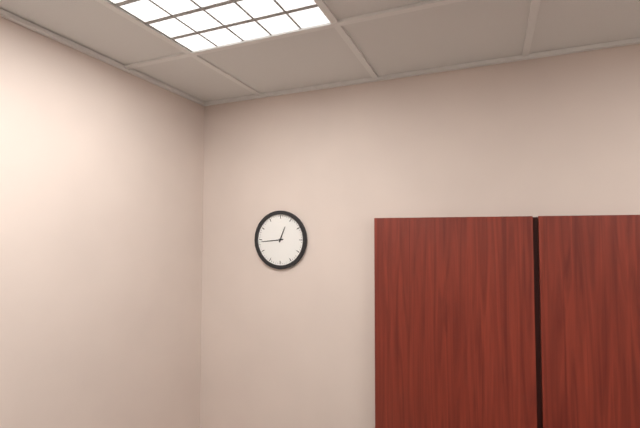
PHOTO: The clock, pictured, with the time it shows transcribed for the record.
12:44
